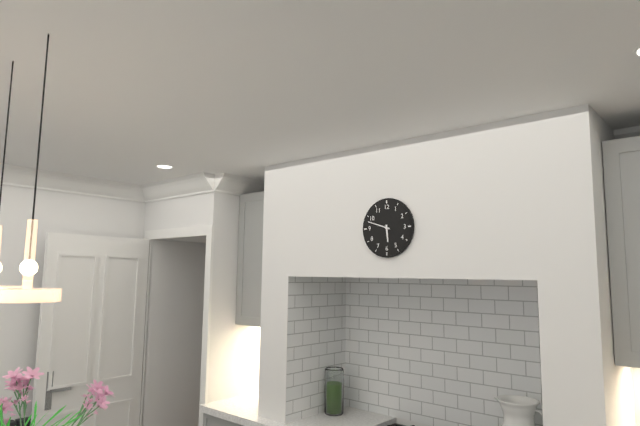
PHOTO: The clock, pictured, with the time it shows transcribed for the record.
5:48
